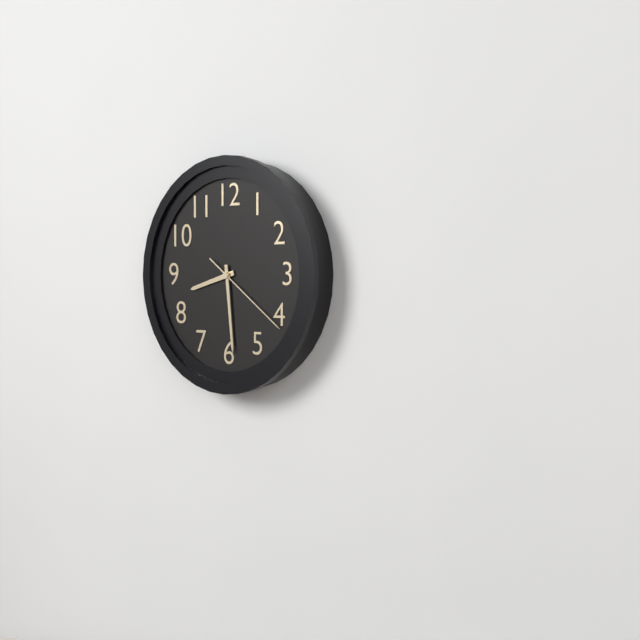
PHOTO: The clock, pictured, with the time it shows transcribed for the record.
8:29:21
